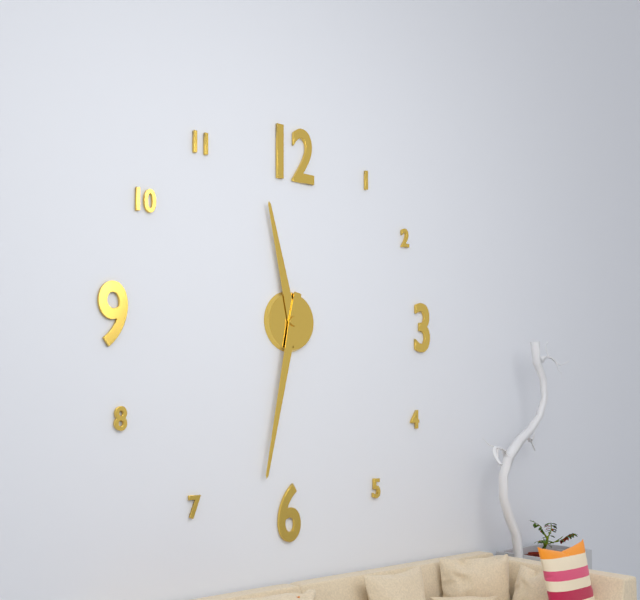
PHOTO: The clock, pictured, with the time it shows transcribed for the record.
11:32
